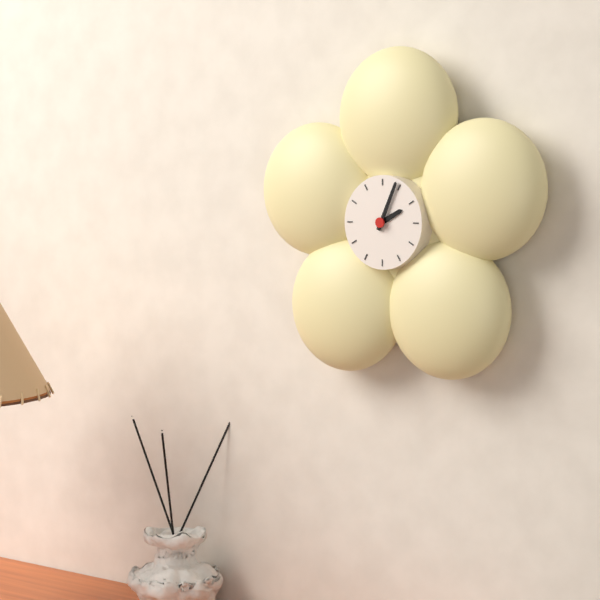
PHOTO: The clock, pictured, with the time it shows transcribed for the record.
2:04
